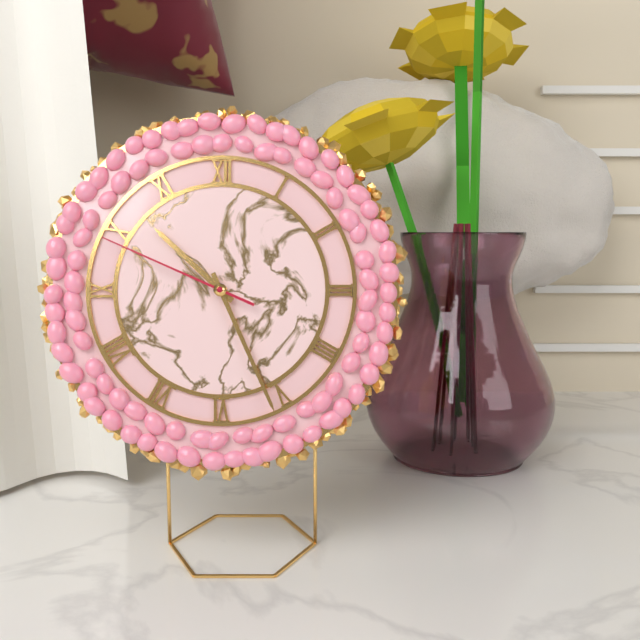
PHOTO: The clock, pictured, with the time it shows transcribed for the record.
10:26:49
